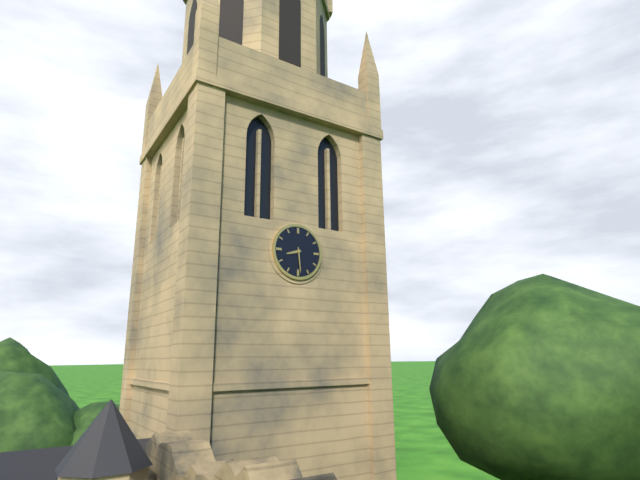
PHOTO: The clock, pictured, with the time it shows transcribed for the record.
8:29
